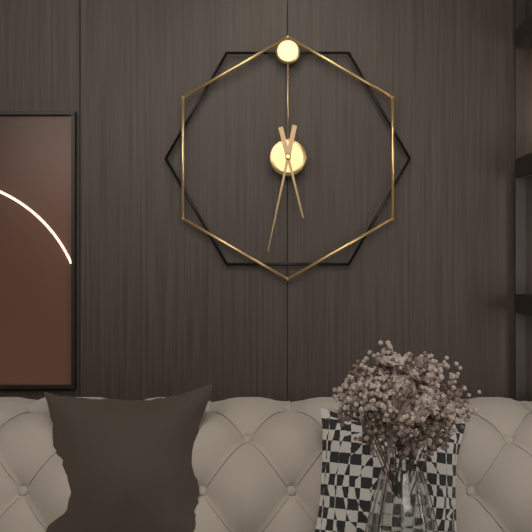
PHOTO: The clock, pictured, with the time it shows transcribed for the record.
5:32
